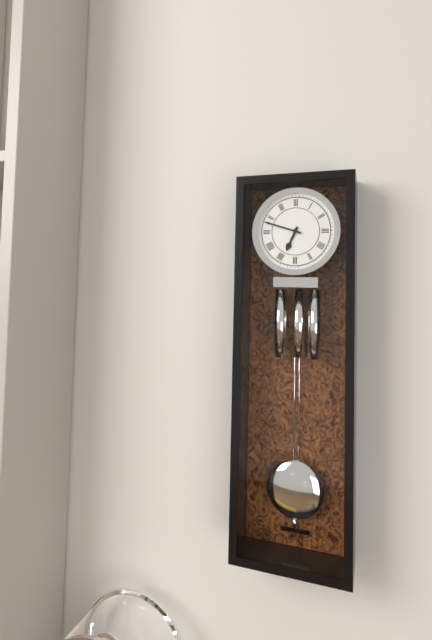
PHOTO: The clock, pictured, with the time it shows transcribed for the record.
6:48
